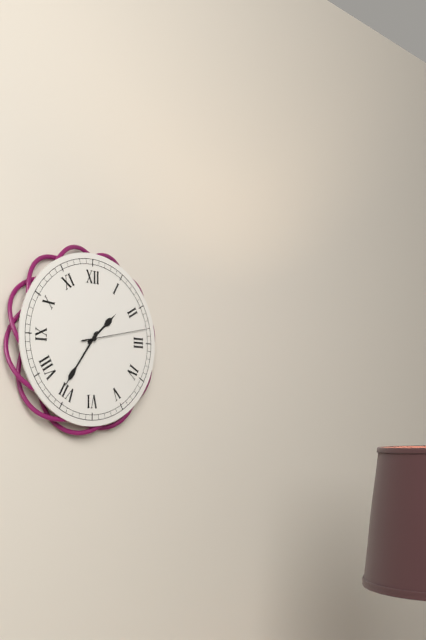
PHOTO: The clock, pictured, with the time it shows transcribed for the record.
1:36:13
